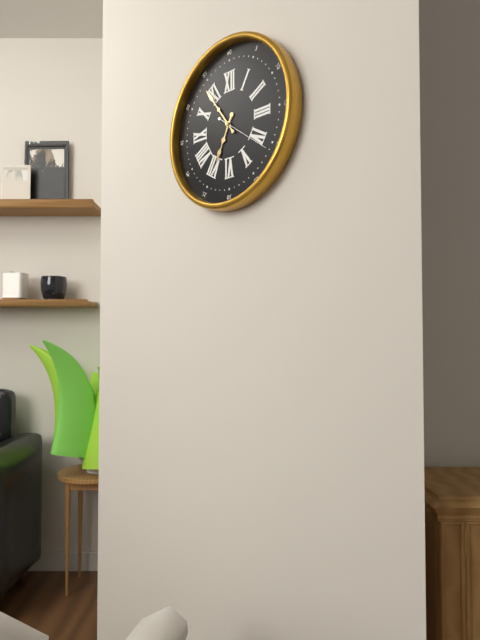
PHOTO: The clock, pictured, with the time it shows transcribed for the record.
6:54
